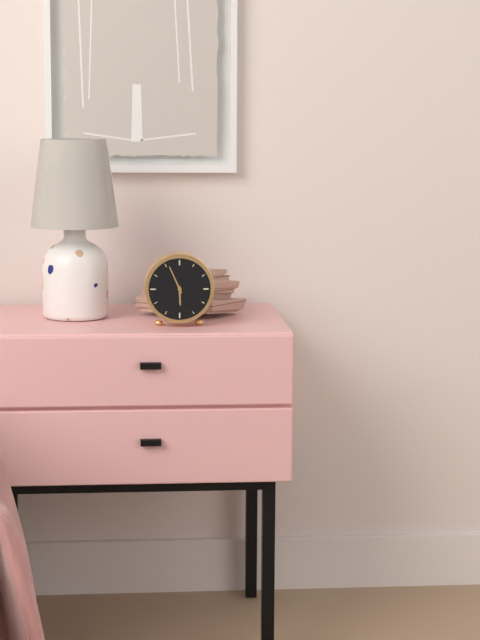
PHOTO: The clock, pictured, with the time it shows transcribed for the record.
5:56
